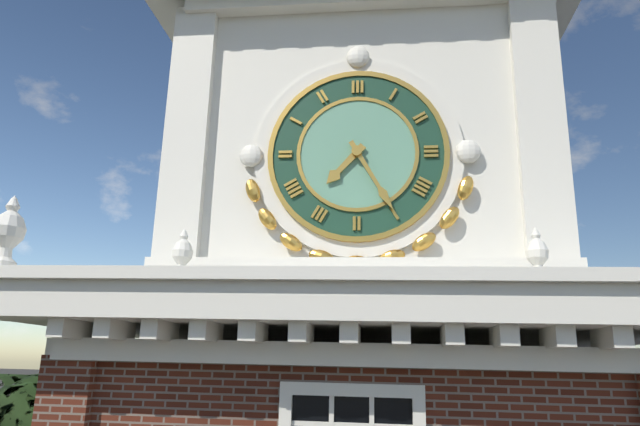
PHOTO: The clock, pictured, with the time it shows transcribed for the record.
7:25
